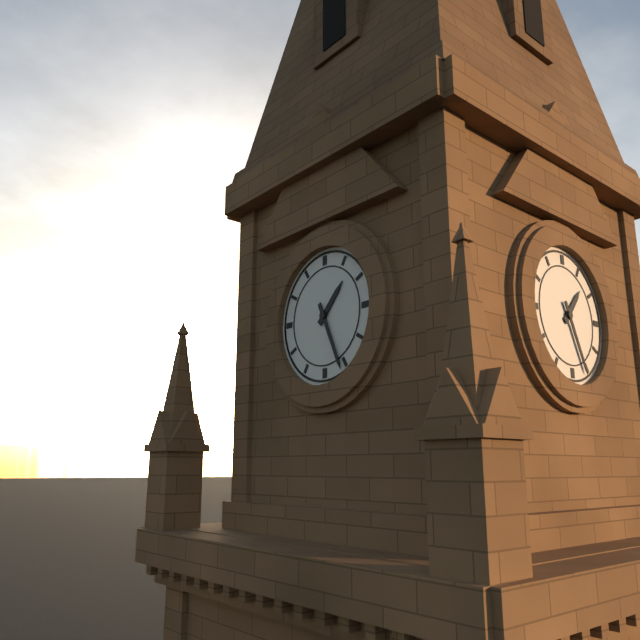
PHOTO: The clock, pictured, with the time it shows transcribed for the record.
1:26
